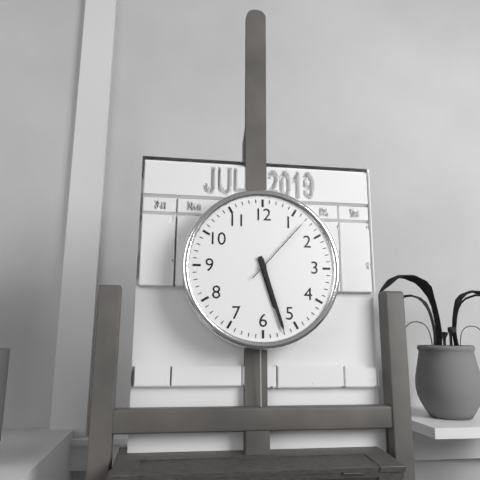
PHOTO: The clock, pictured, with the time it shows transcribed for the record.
5:27:07
